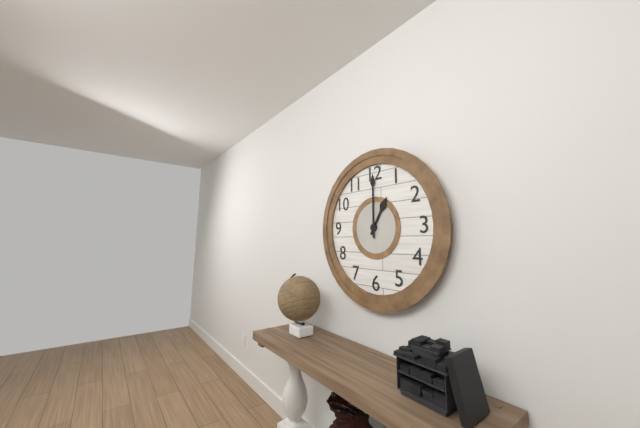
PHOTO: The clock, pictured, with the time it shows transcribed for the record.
1:00
